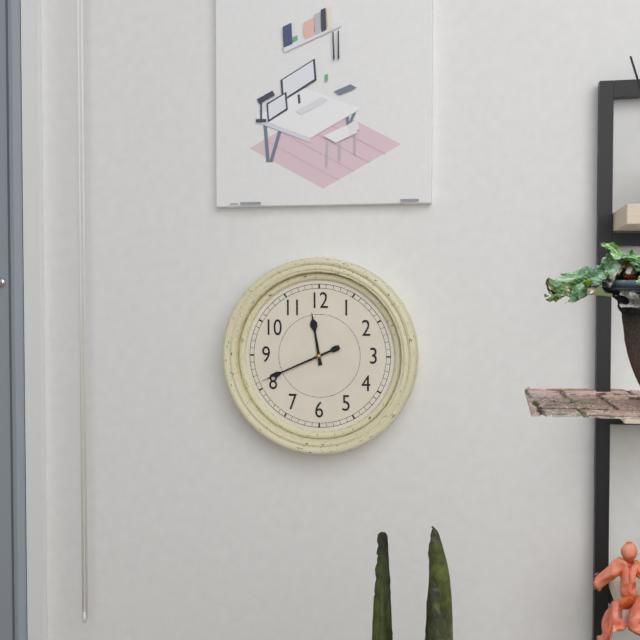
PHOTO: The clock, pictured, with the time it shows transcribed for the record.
11:41
